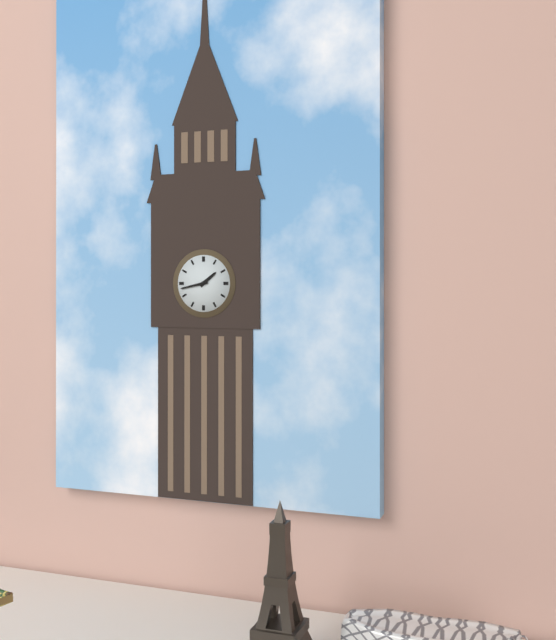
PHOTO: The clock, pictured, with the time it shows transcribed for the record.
1:43
